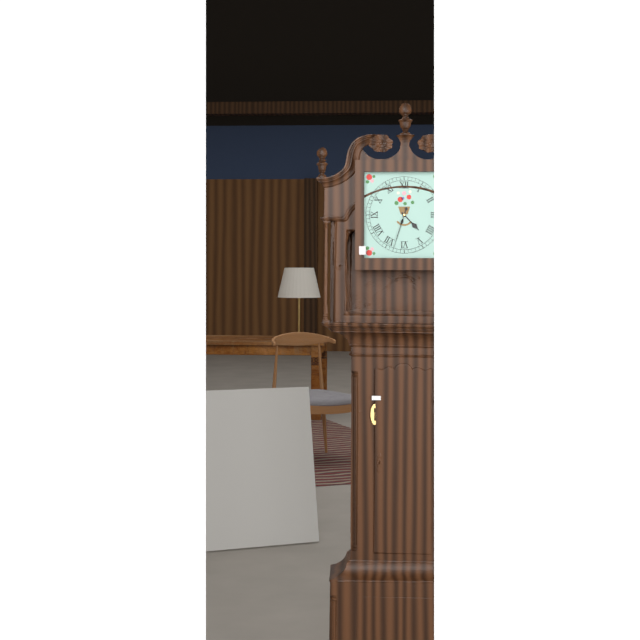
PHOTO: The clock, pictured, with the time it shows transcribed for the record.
4:33
